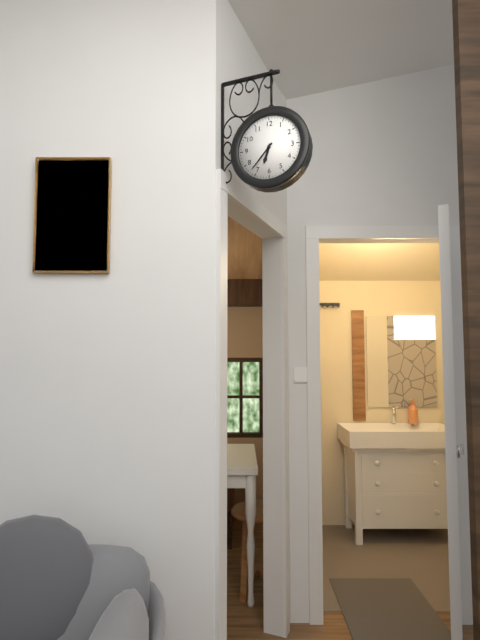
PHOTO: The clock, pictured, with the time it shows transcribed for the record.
6:37
